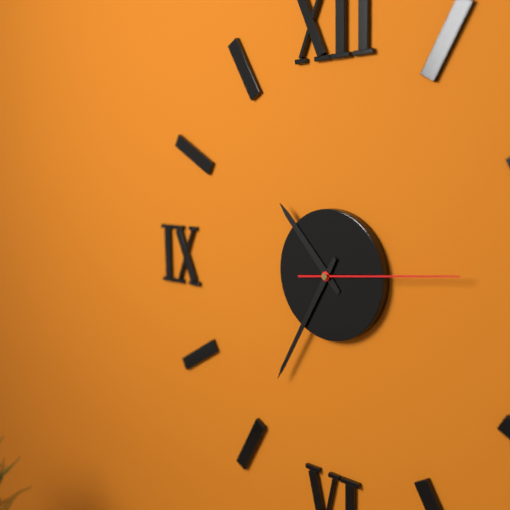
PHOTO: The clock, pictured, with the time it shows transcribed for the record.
10:35:14
